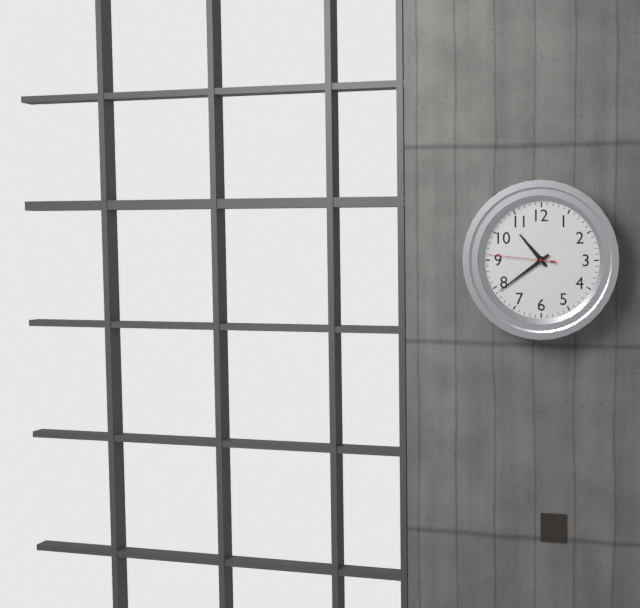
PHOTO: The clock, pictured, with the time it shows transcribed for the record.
10:39:46
